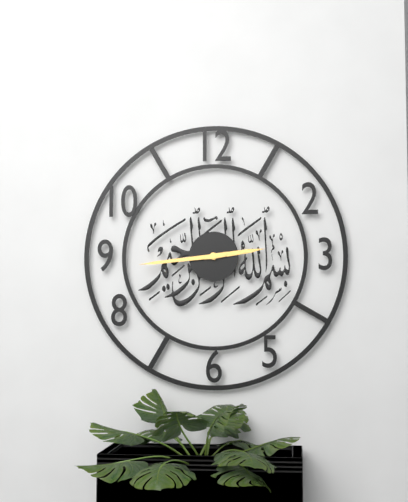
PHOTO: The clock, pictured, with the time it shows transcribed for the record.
2:44
